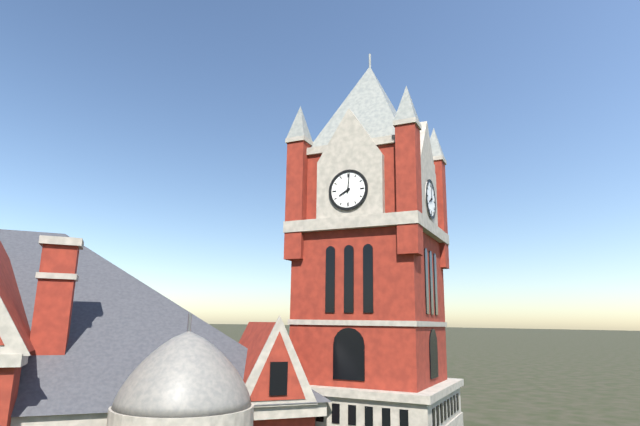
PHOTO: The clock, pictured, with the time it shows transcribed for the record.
8:01
